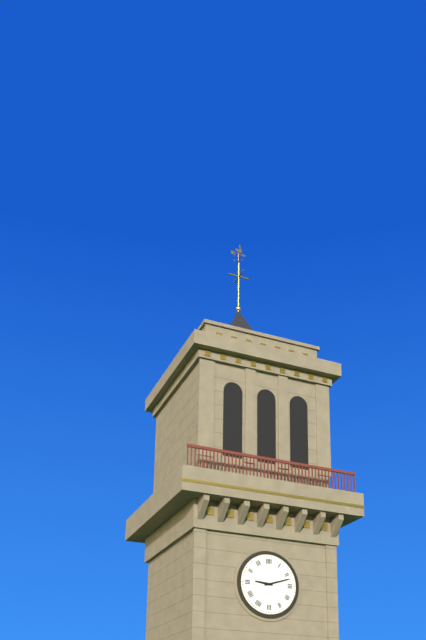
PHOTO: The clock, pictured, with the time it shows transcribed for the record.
9:12
